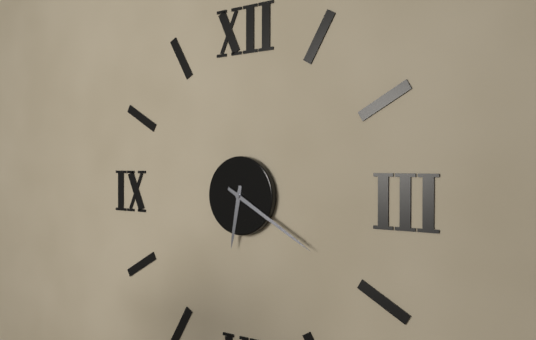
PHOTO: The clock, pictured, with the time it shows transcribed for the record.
6:20
